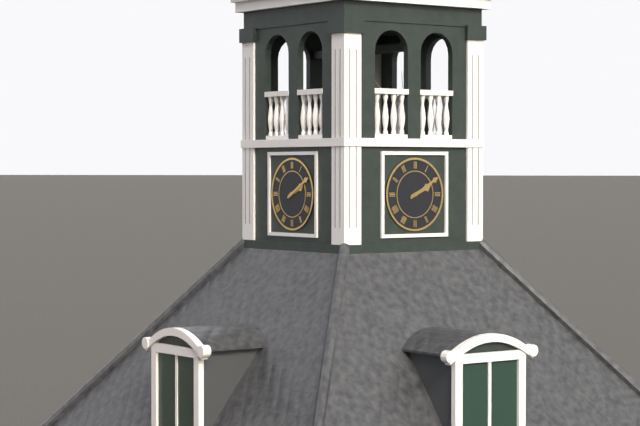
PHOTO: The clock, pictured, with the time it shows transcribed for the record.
2:10
